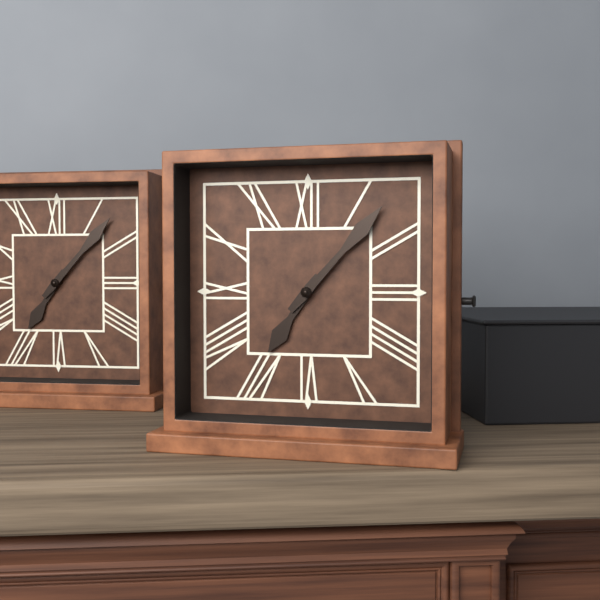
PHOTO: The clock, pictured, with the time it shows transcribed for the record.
7:07
